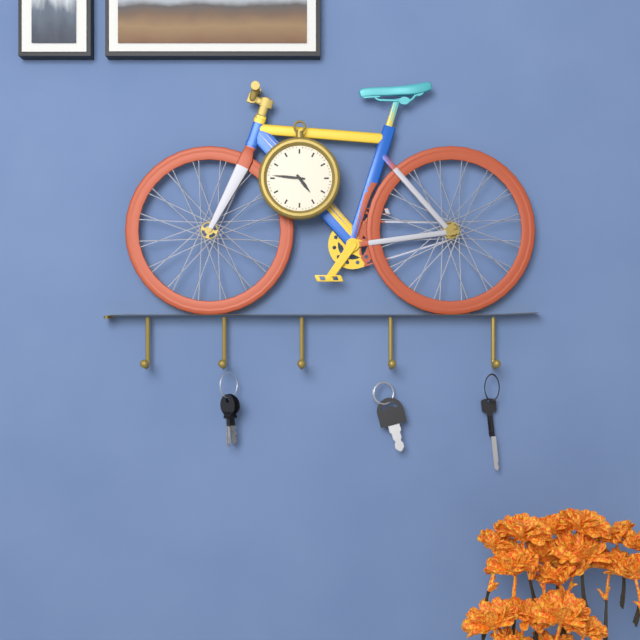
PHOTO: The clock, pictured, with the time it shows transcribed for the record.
4:46
